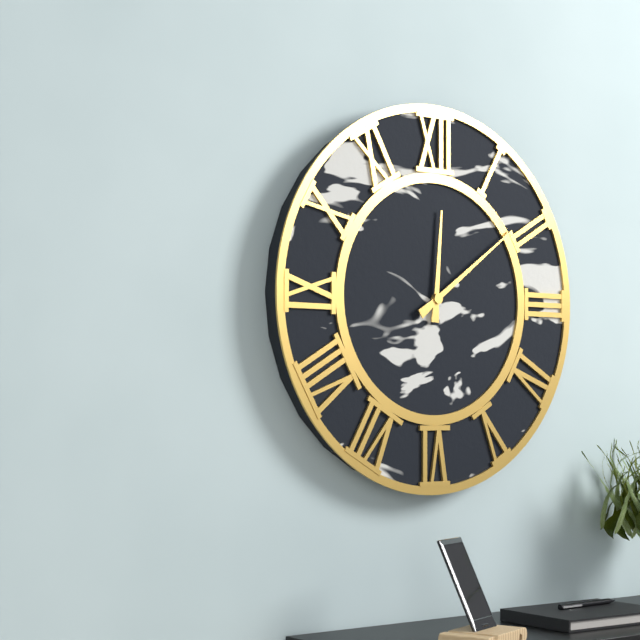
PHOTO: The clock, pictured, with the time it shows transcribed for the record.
12:09
